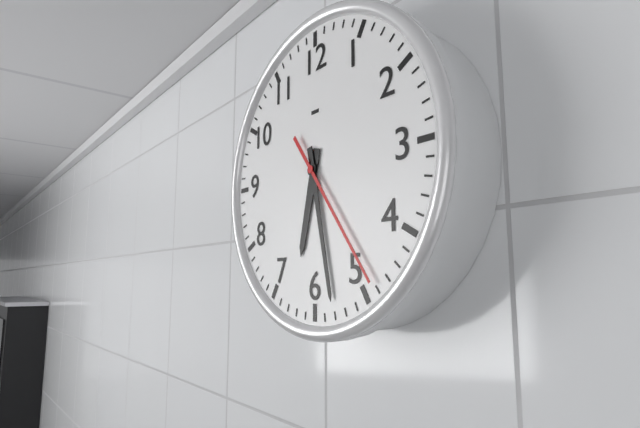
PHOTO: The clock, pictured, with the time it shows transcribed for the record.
6:28:24
